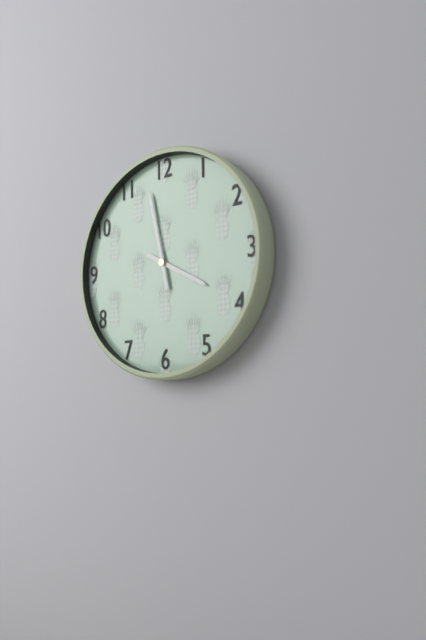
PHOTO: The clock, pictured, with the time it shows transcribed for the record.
3:58
